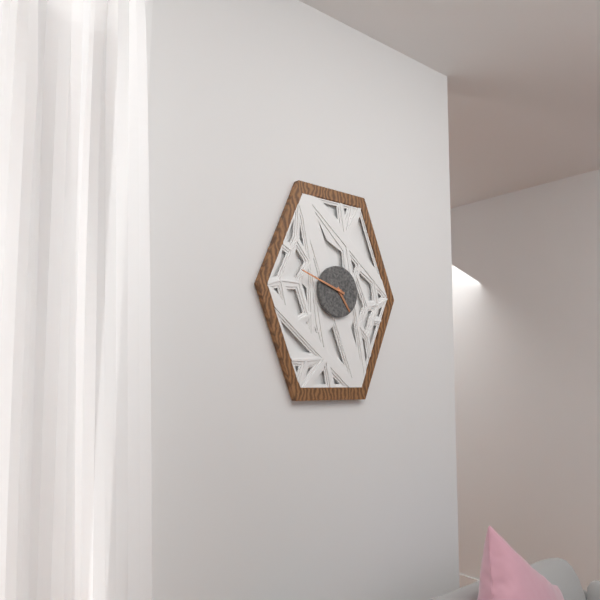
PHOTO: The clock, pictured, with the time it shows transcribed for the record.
4:48
